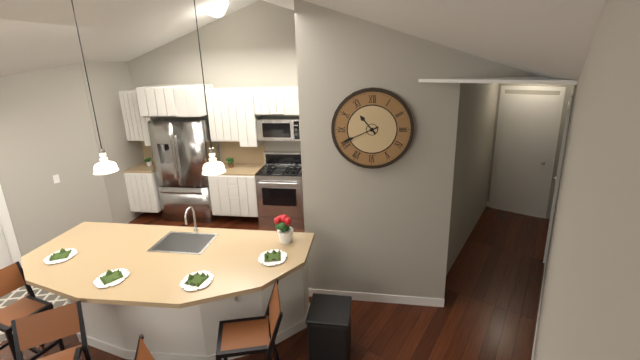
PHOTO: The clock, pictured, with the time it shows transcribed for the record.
10:41
